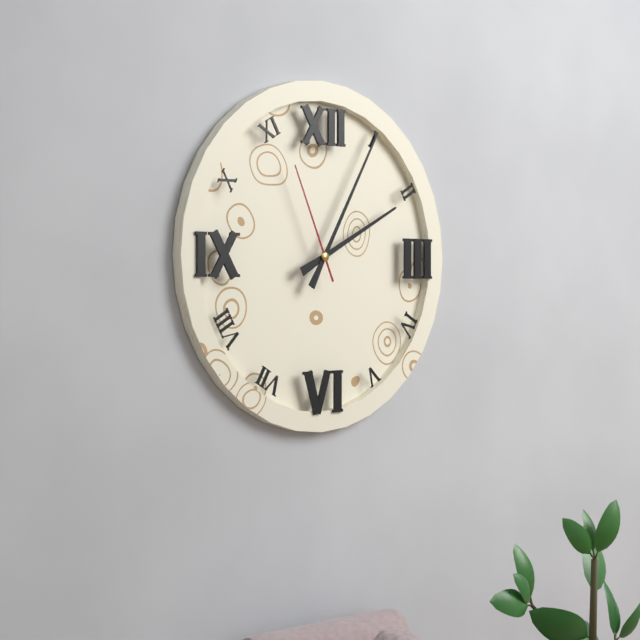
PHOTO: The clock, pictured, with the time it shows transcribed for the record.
2:05:56
